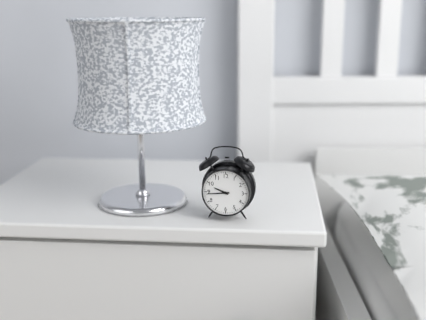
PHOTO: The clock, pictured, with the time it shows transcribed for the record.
9:44
